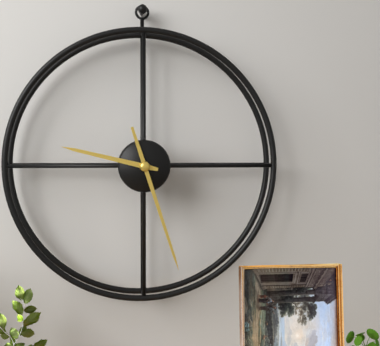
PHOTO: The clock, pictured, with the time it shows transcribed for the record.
9:27
